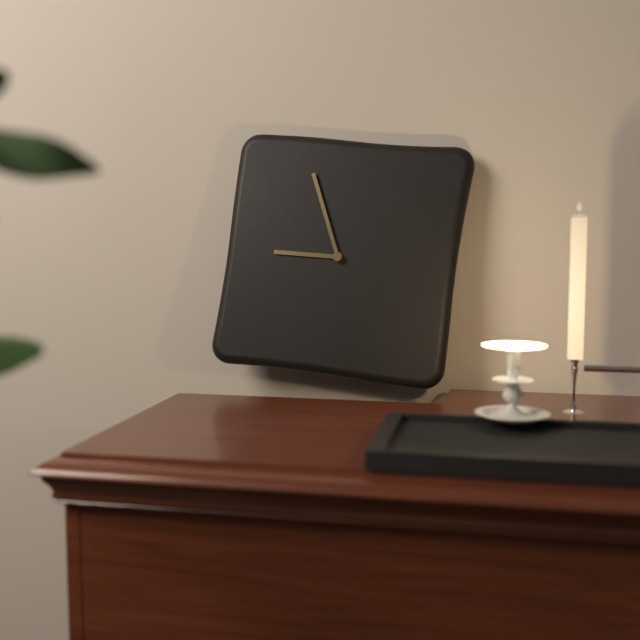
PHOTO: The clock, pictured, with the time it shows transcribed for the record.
8:56
